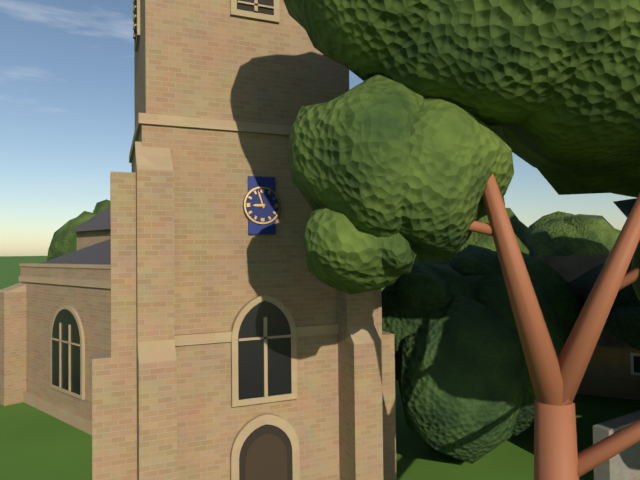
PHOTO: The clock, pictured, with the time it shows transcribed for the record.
8:57
